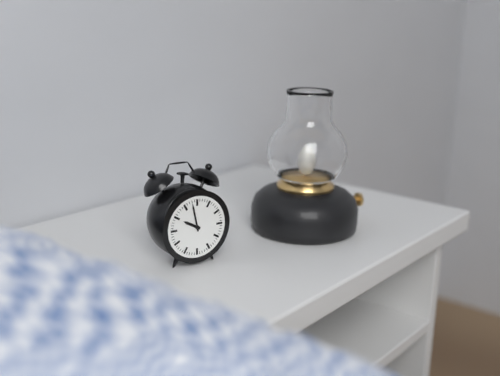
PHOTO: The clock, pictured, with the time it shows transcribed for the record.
9:58
